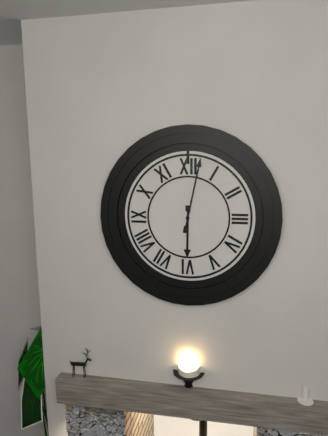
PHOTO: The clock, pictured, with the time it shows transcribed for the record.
6:02
